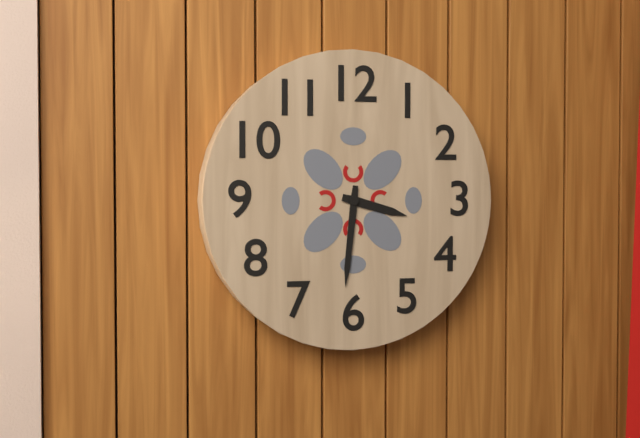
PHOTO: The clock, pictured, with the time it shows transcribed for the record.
3:31
